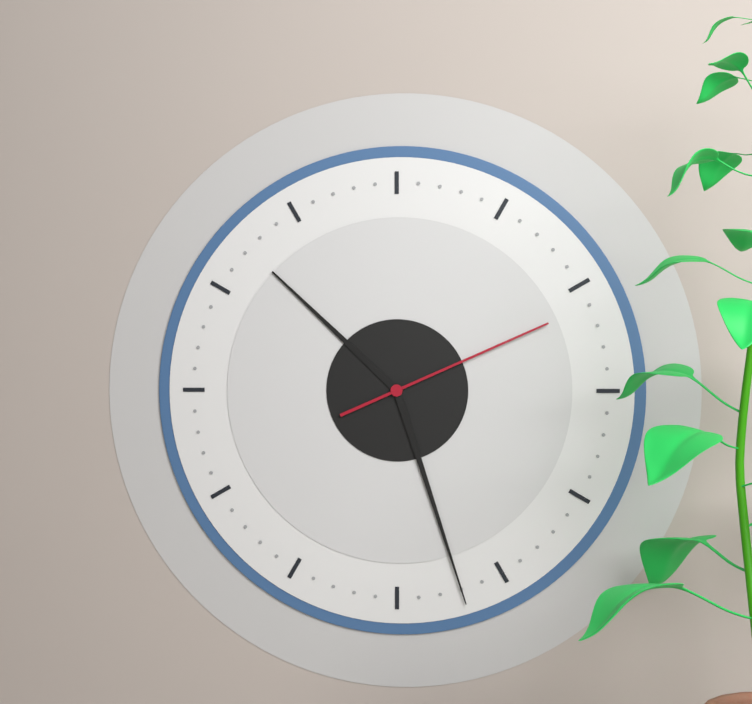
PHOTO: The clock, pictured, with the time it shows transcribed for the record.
10:27:11
